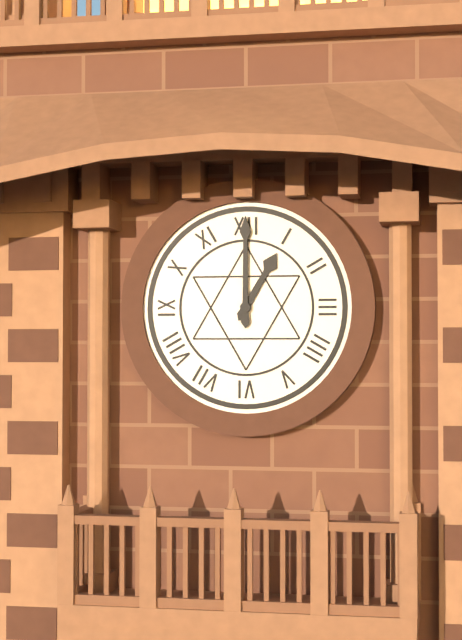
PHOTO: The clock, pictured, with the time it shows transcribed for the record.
1:00
